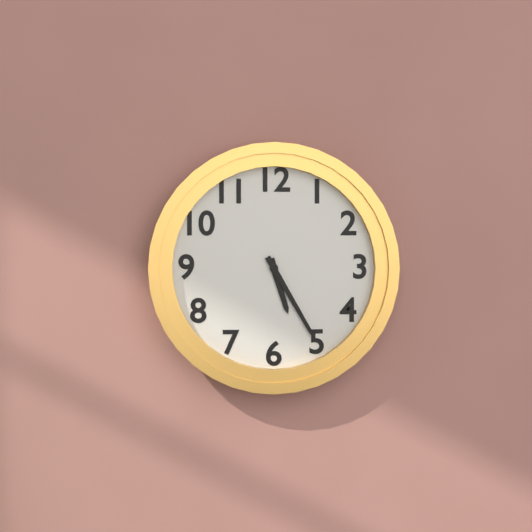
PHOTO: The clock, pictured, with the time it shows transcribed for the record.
5:25
